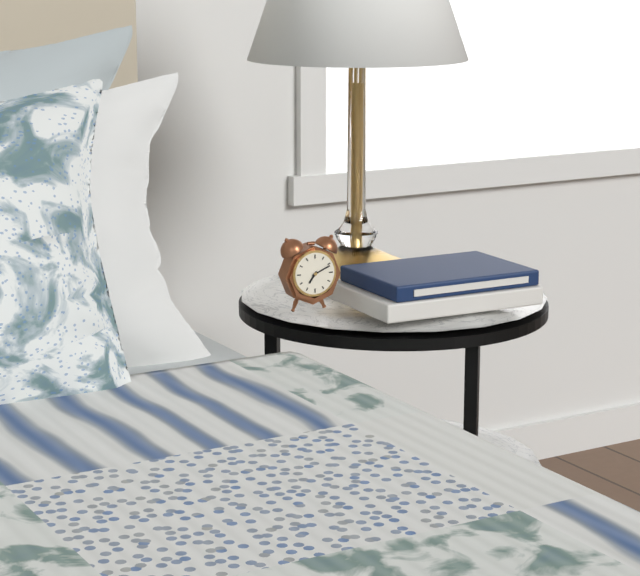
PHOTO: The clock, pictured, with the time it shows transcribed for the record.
7:11
